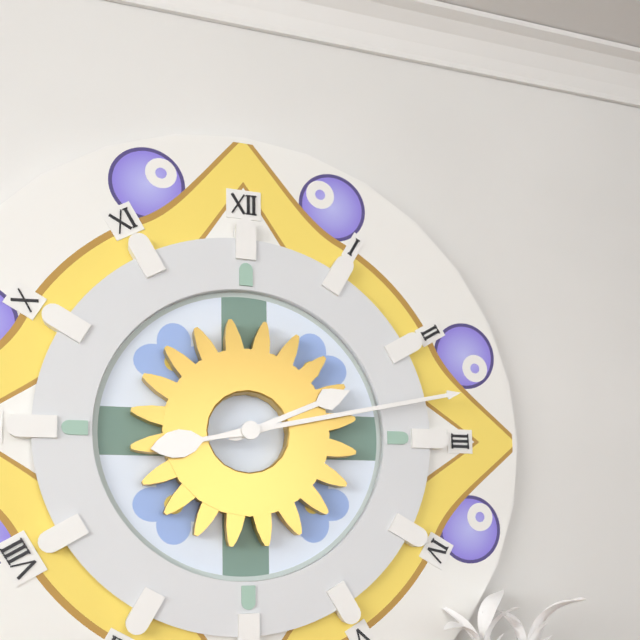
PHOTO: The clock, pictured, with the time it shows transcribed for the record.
2:13
